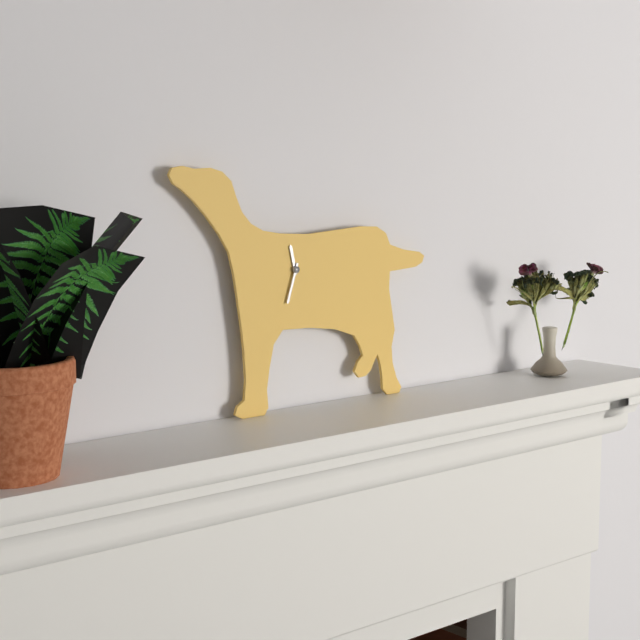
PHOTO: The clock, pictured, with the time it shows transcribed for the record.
11:33
